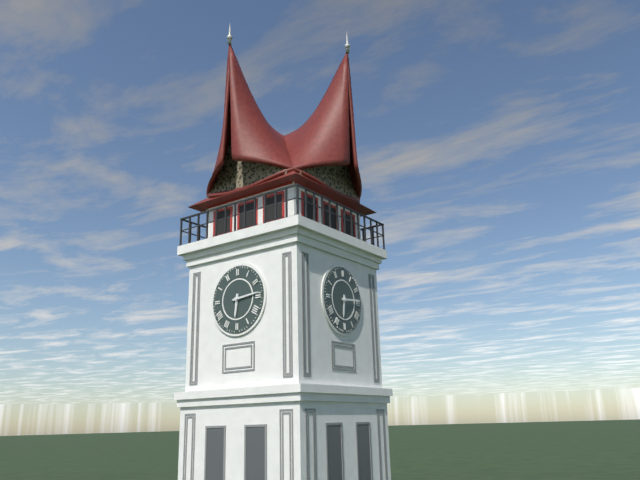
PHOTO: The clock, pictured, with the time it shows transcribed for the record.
6:14
